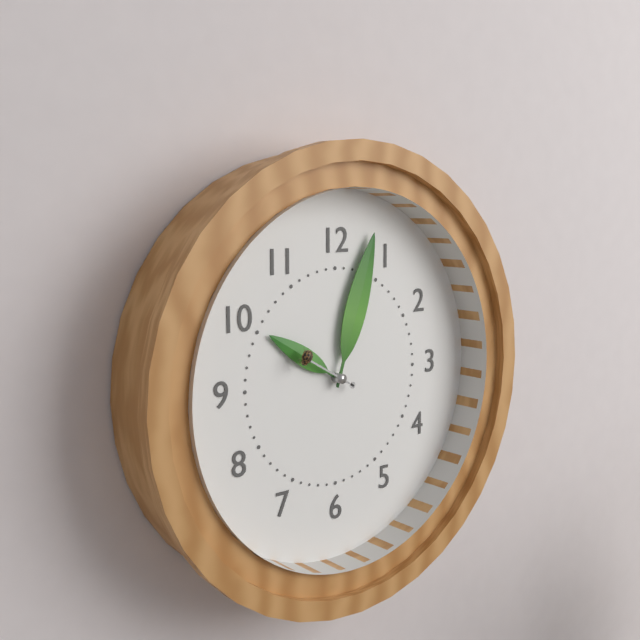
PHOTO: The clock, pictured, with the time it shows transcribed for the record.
10:03:50
